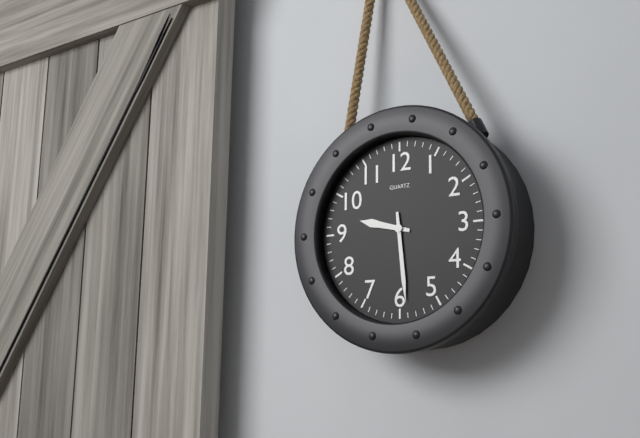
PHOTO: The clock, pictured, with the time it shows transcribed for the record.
9:29
